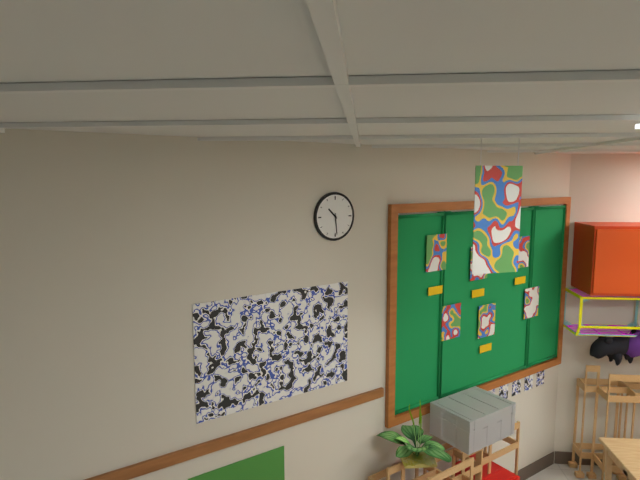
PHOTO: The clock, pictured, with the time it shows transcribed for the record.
10:29
